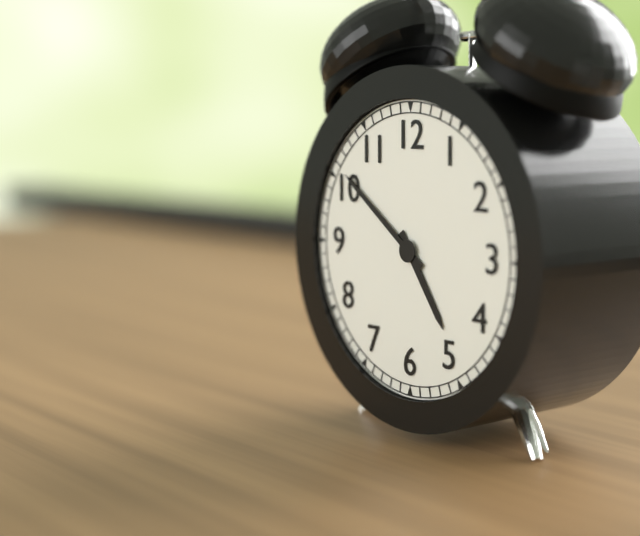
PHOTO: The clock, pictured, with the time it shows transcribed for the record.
4:51
